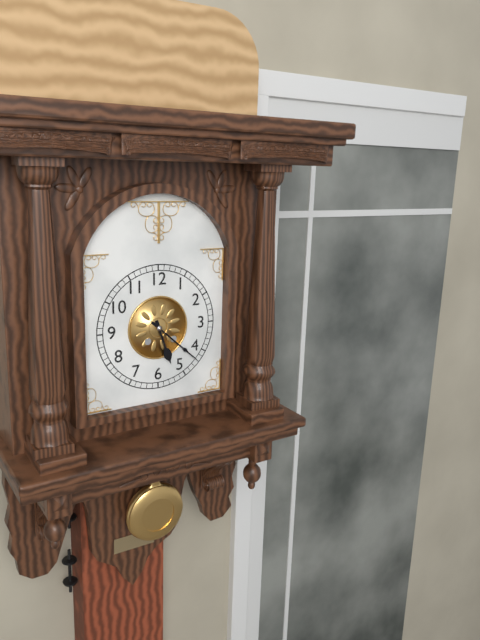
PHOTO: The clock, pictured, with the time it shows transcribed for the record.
5:22
